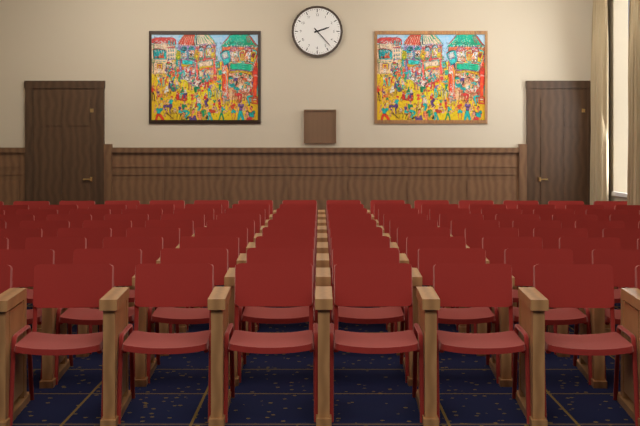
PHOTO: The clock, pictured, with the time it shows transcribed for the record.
2:23
